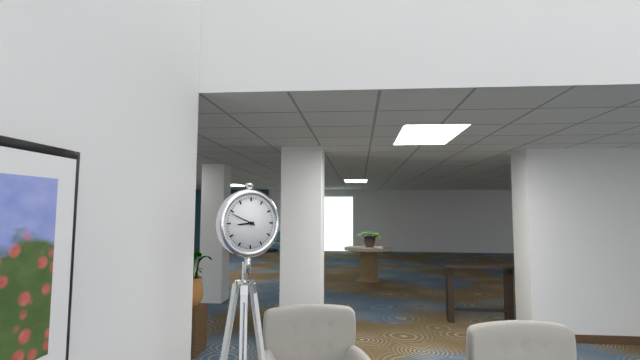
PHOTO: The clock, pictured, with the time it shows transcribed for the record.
8:49
